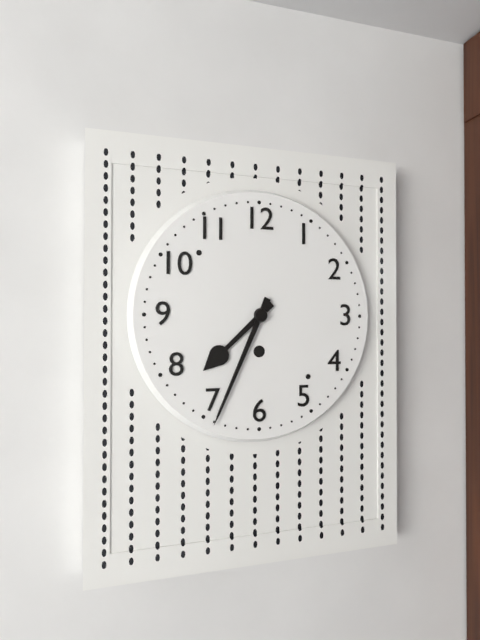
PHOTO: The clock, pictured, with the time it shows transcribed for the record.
7:34
